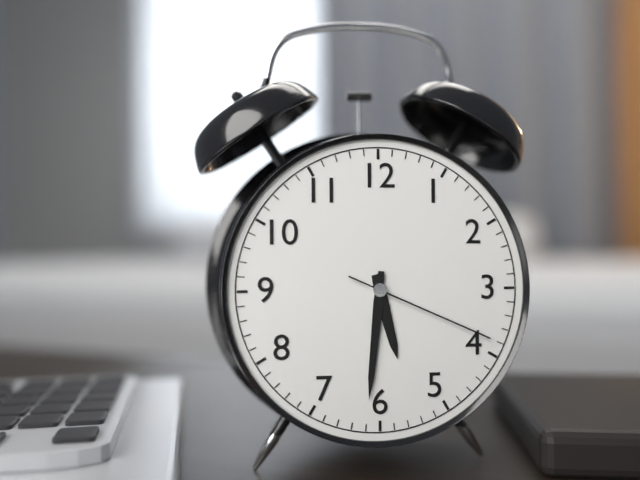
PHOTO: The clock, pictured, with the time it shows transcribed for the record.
5:31:19
